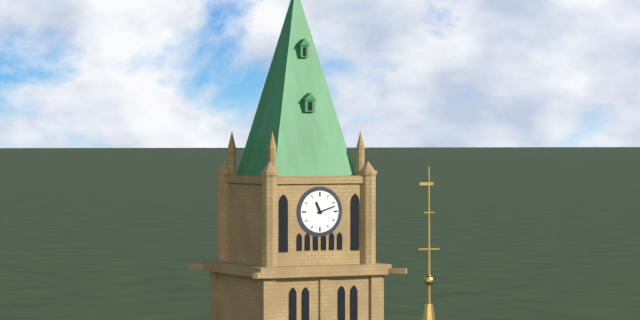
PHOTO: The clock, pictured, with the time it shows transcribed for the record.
11:12
